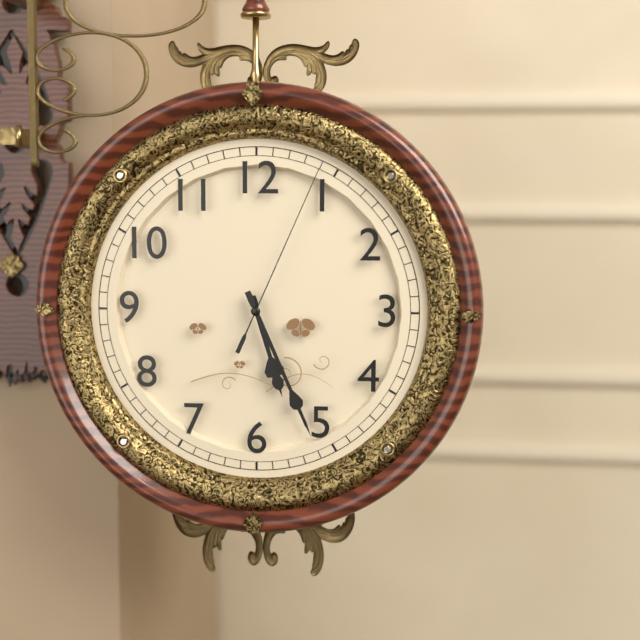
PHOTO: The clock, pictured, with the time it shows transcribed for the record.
5:26:04
